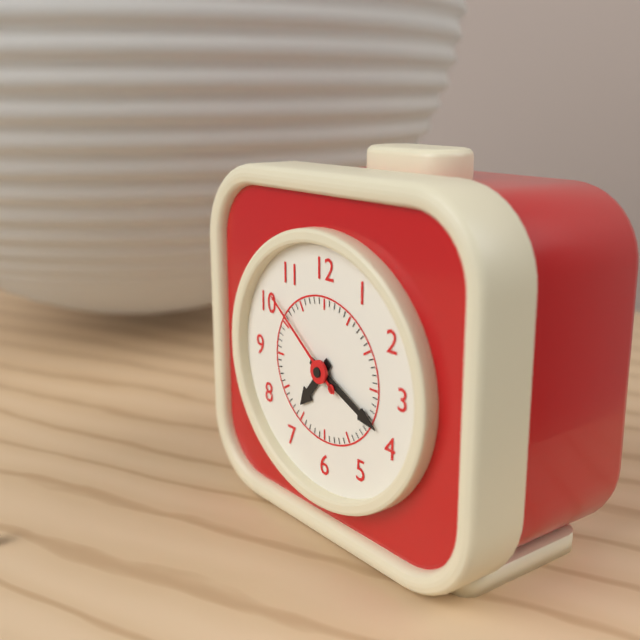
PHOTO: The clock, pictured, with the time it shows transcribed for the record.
7:19:51
